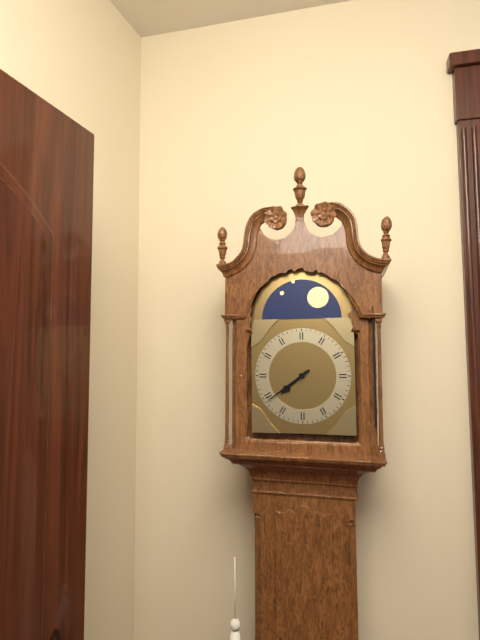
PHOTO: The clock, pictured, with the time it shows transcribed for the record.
7:39
